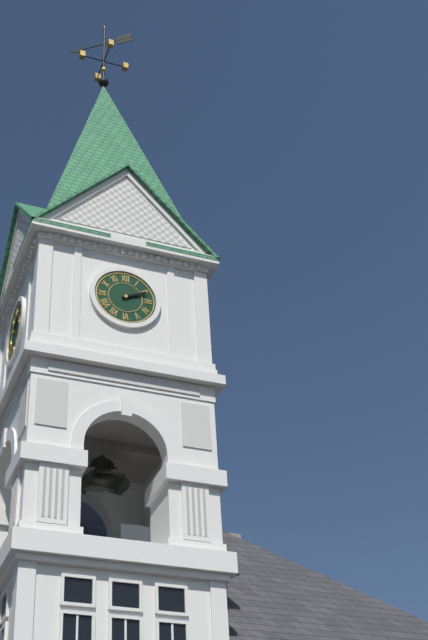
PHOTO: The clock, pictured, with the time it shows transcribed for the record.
2:11
